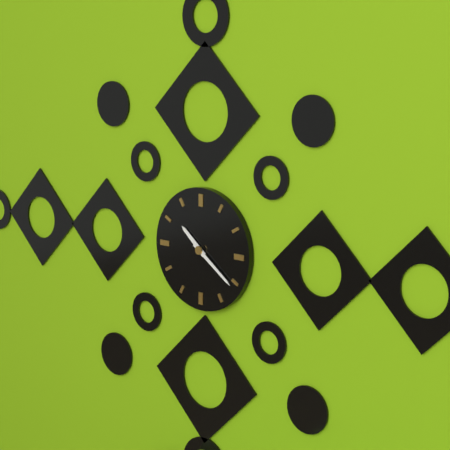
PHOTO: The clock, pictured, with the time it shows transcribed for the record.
10:21
